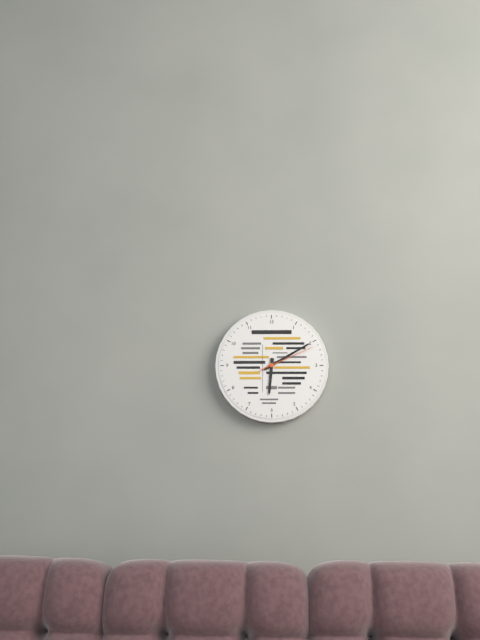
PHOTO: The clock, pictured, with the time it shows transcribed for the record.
6:10:11
